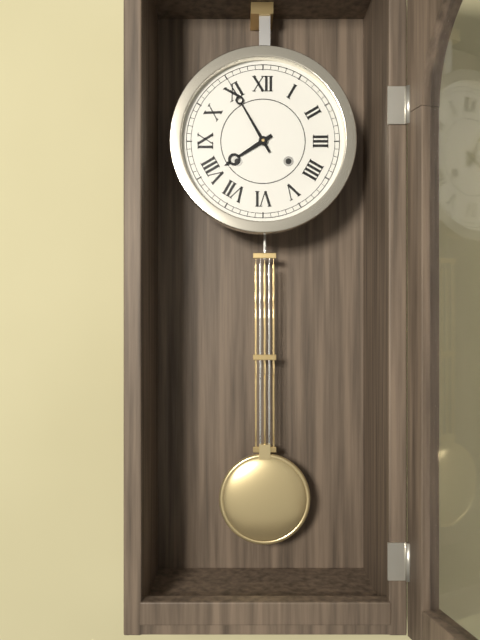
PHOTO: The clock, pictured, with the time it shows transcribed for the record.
7:55
